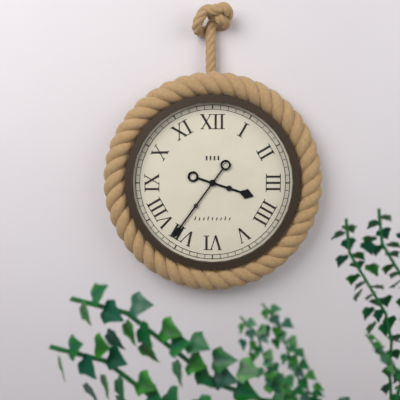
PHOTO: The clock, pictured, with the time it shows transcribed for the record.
3:36
